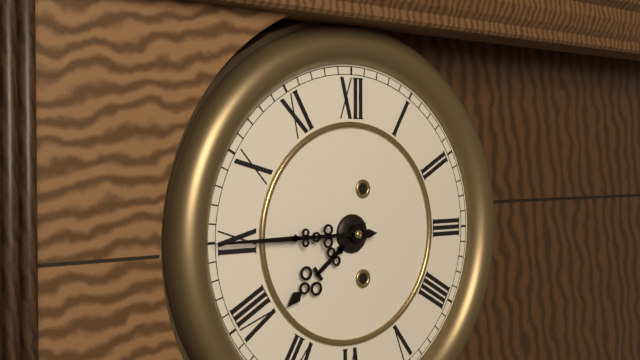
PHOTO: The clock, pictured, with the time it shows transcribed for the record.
7:45
